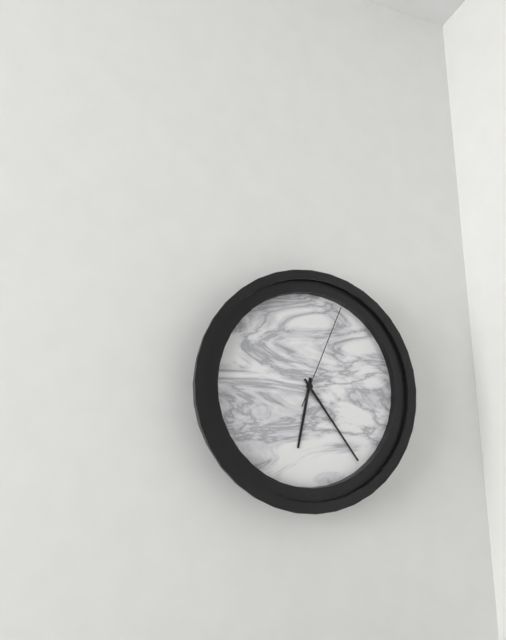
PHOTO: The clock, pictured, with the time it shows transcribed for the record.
6:24:04
